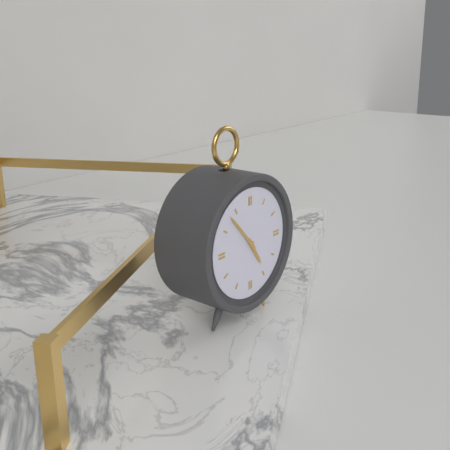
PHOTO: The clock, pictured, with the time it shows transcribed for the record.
4:53
